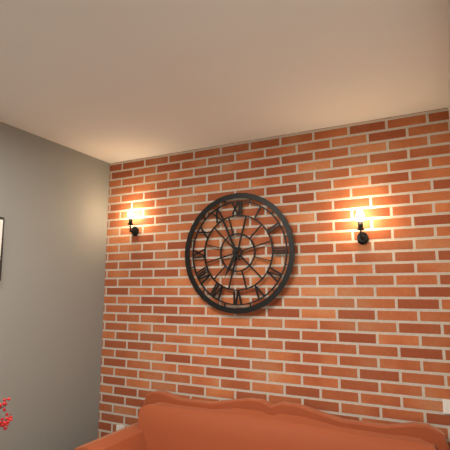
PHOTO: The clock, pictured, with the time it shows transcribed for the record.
6:56
